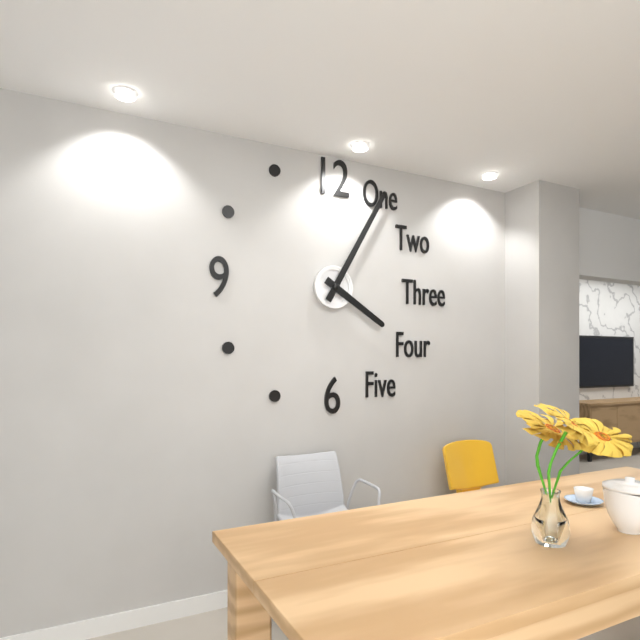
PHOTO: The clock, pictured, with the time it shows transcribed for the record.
4:05
